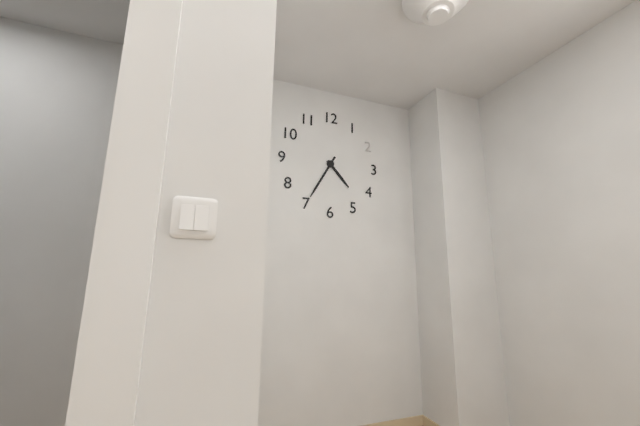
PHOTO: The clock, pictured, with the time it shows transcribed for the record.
4:35
